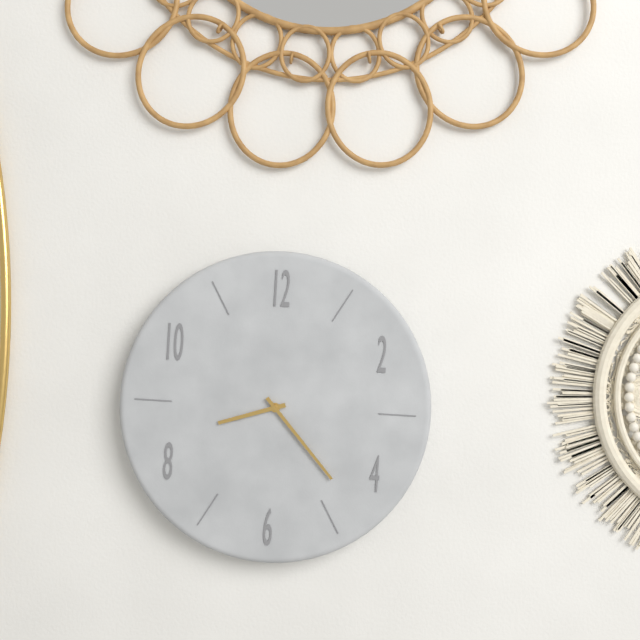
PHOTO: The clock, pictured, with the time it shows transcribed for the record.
8:23
